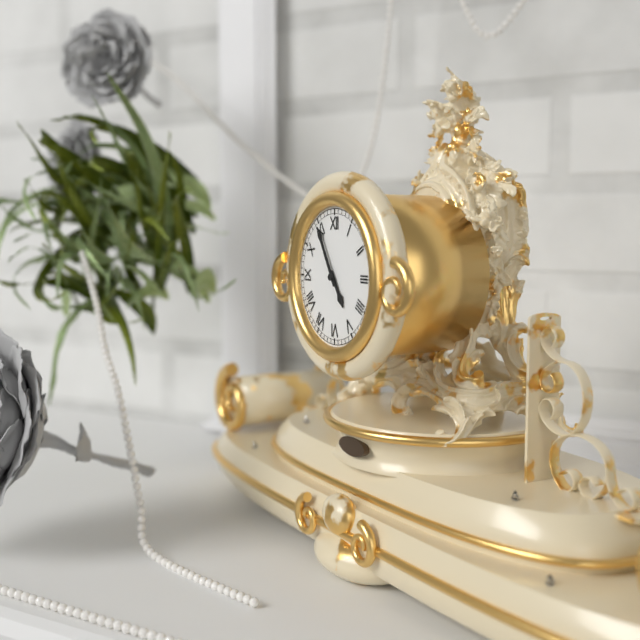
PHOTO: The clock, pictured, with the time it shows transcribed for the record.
4:55
